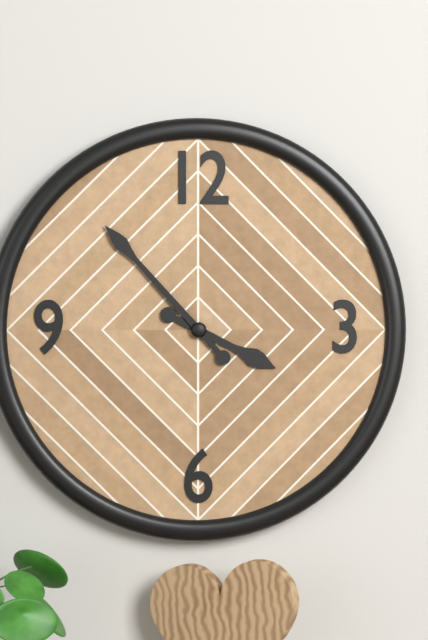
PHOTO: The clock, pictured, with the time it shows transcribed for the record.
3:53
